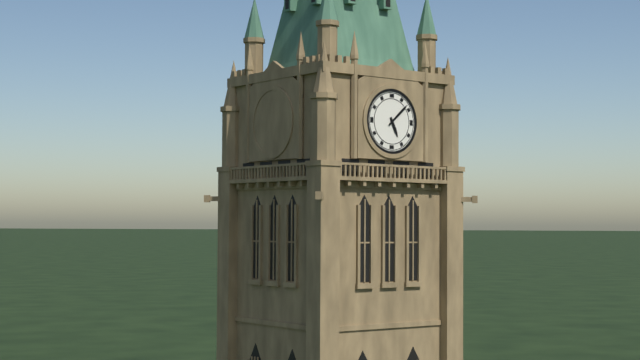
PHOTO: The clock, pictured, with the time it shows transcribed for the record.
5:08
